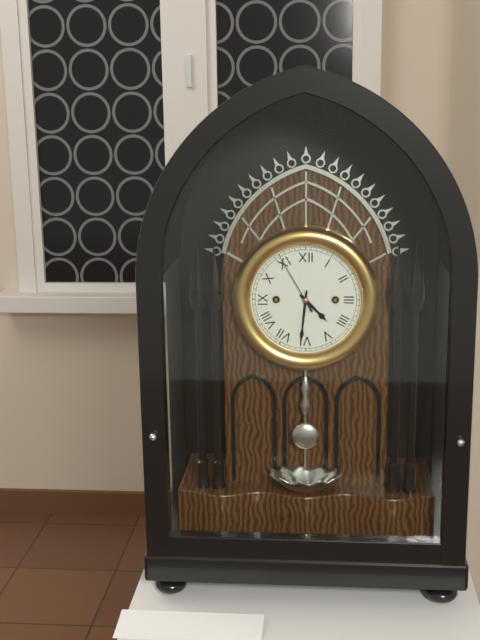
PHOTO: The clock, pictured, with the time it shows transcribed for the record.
4:31:55
